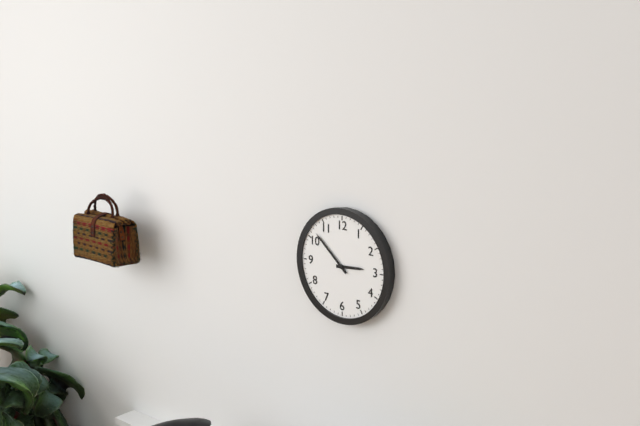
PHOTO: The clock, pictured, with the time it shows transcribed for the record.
2:52
